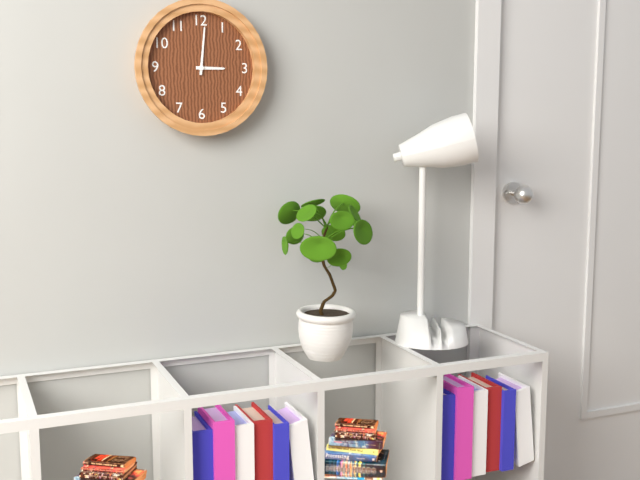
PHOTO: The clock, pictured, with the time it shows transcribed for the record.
3:01
